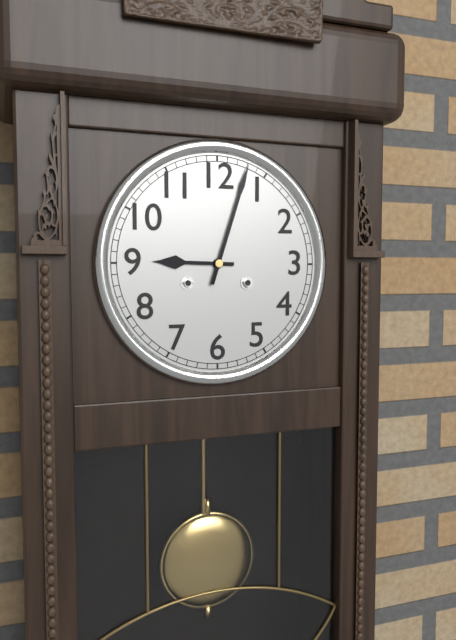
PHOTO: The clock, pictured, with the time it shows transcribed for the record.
9:03
